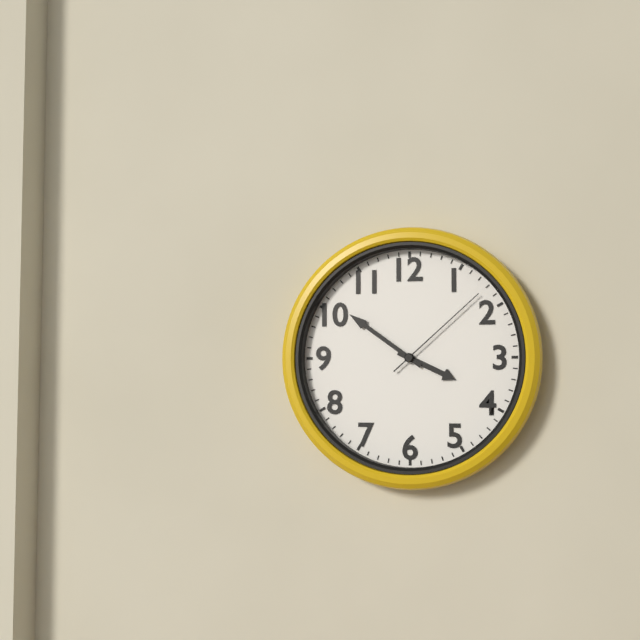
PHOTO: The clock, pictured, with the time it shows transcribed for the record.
3:51:08
